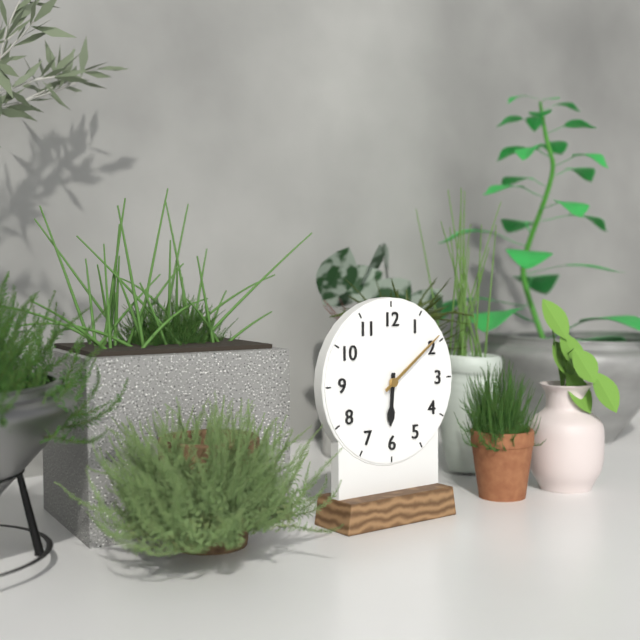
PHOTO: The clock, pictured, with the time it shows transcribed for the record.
6:09
